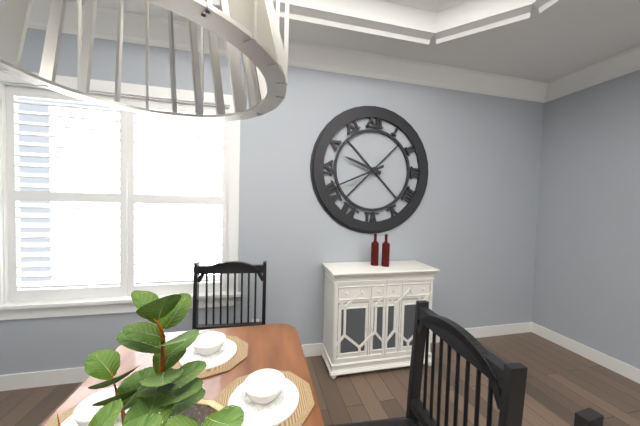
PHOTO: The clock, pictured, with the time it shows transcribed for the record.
9:41
